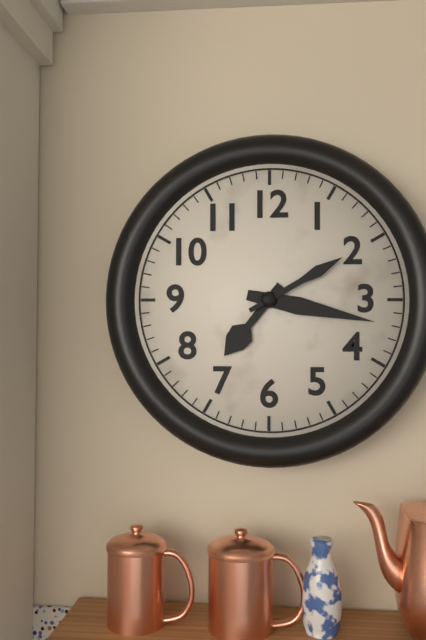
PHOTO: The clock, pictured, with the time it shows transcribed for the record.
7:17:10
